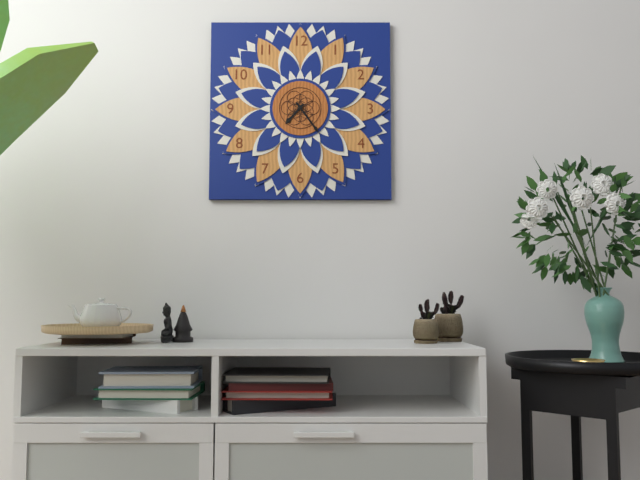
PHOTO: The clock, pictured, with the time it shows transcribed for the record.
7:24
